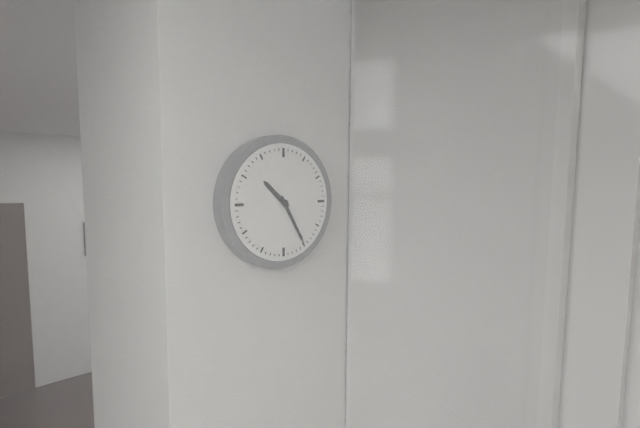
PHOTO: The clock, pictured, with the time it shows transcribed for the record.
10:25
